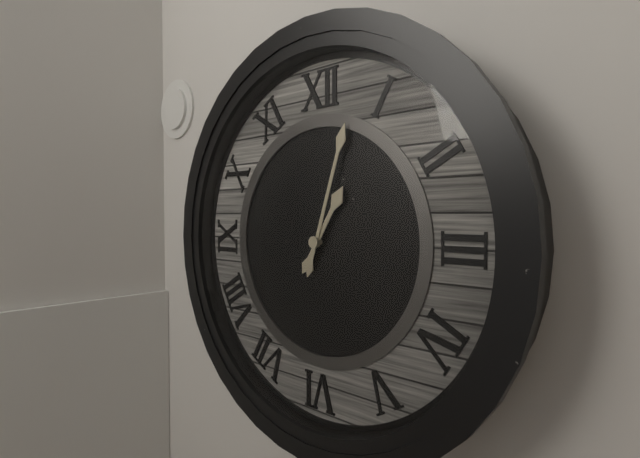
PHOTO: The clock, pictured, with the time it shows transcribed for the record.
1:03
